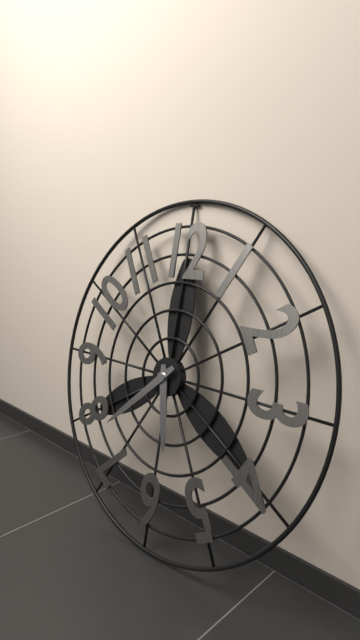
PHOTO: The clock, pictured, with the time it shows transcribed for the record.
5:38
